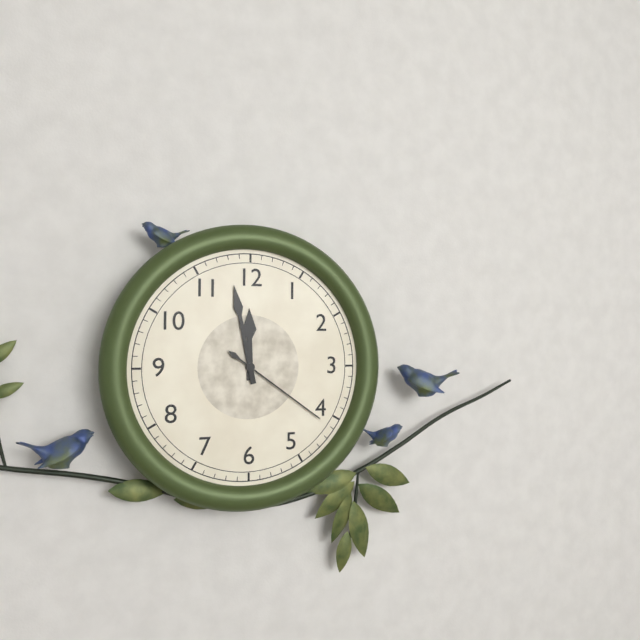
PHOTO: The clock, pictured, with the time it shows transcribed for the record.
11:58:21
